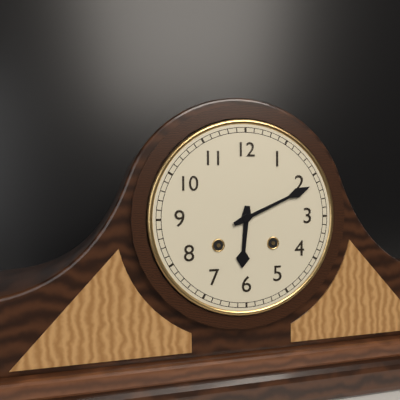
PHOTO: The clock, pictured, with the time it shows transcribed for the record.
6:11
